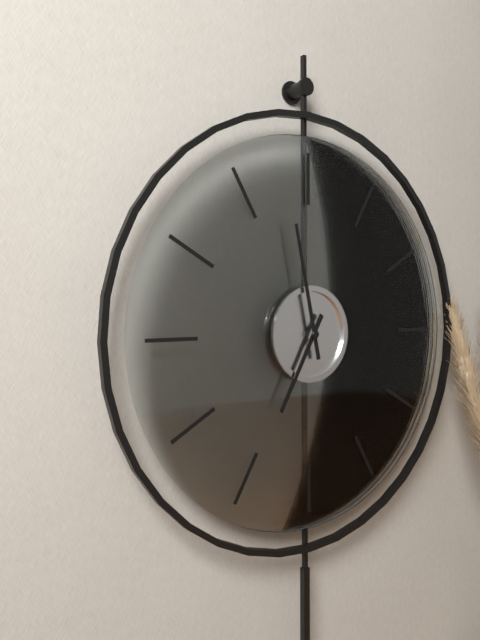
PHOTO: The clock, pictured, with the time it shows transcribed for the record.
6:58
